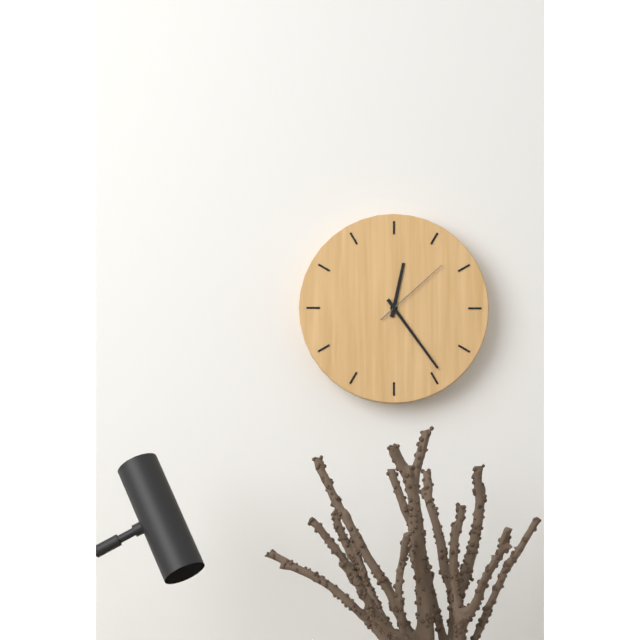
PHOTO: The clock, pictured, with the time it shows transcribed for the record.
12:24:08
